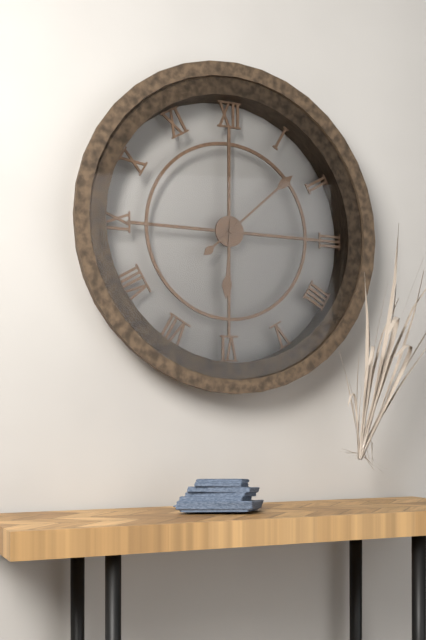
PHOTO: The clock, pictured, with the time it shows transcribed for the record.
6:08
